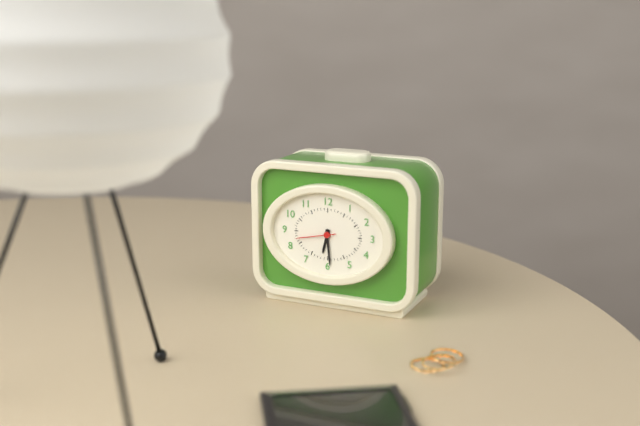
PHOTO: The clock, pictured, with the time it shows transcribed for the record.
6:29
